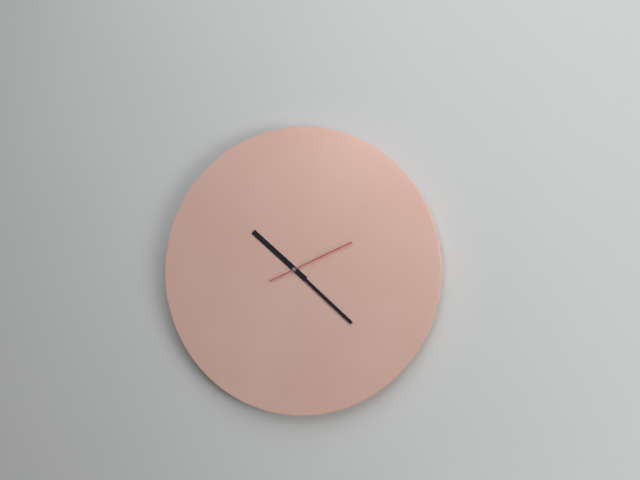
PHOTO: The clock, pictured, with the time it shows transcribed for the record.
10:22:11
